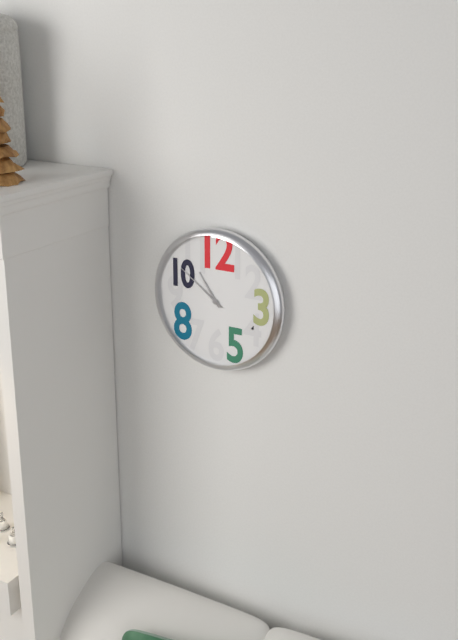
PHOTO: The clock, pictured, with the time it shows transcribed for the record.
10:51
